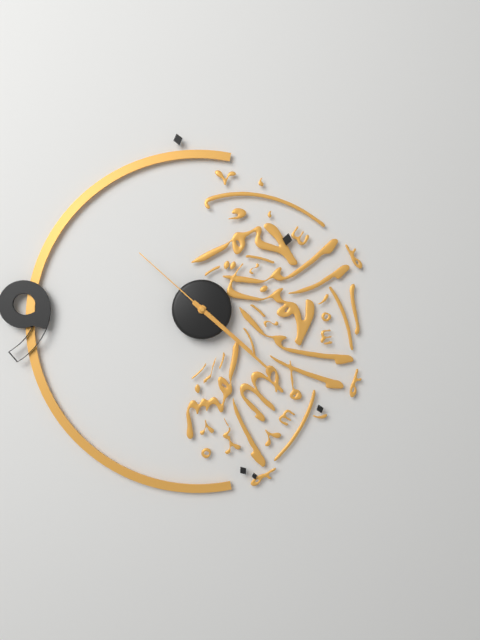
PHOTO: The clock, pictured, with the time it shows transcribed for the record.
4:22:52
